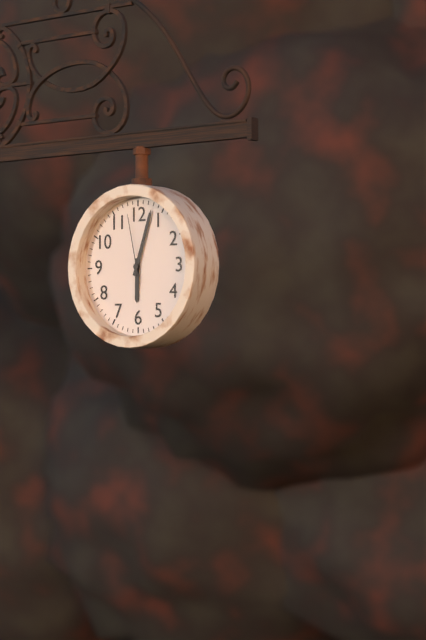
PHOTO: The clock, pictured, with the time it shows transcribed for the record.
6:03:58
